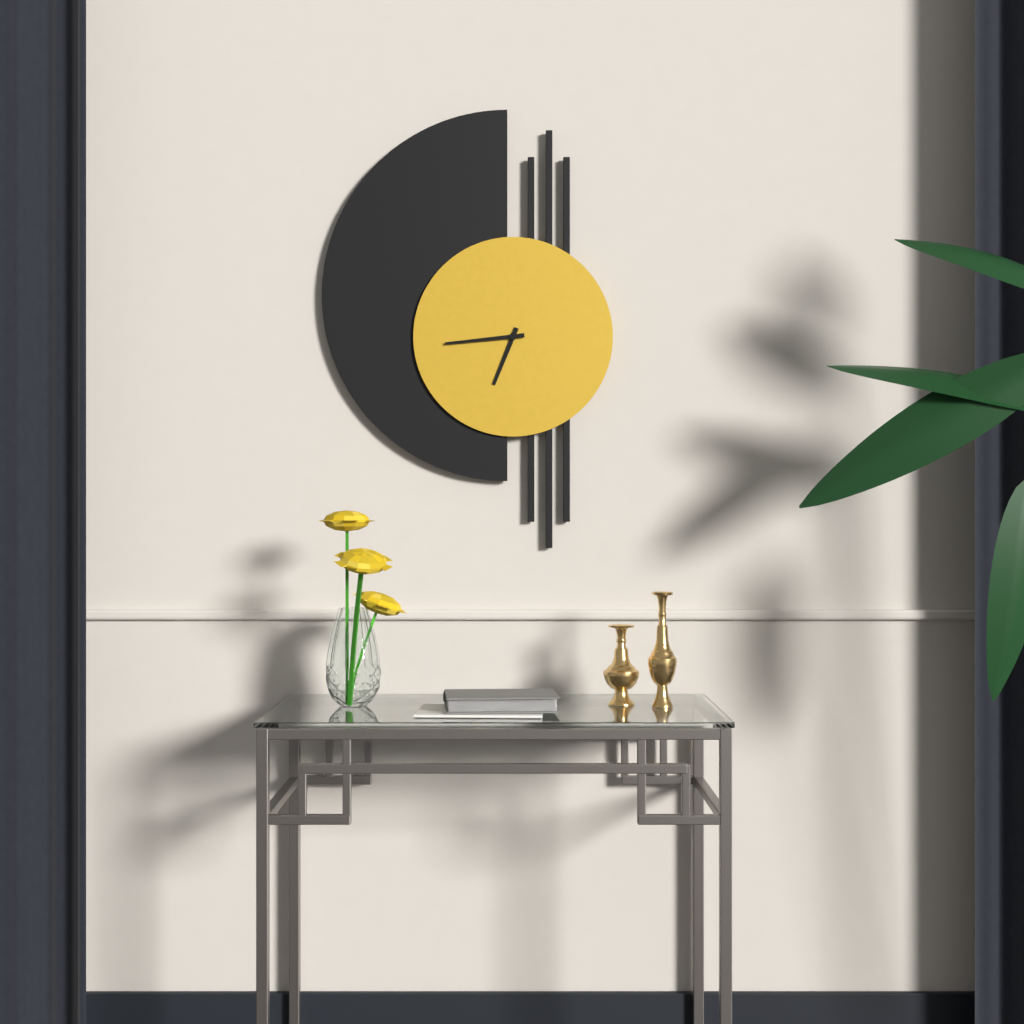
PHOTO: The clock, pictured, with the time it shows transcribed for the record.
6:44
